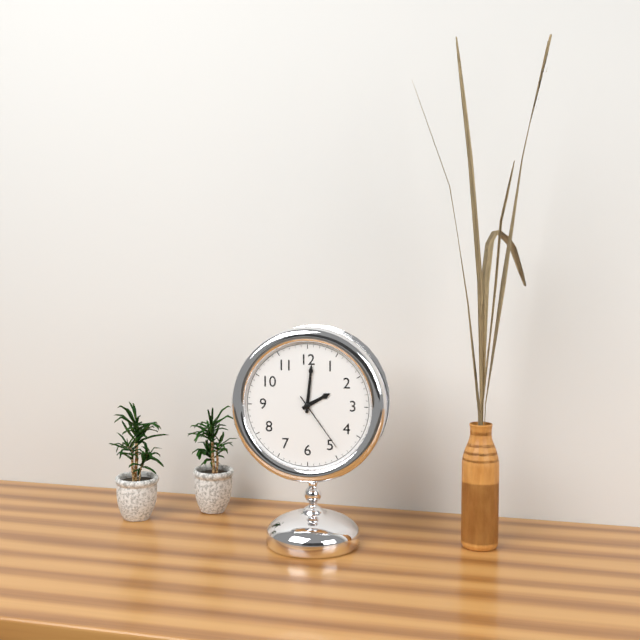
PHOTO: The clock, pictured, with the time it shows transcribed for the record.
2:01:24
